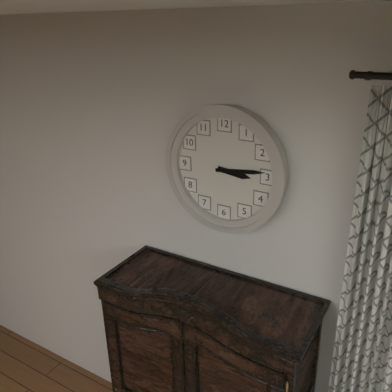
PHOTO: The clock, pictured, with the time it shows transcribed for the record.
3:14
